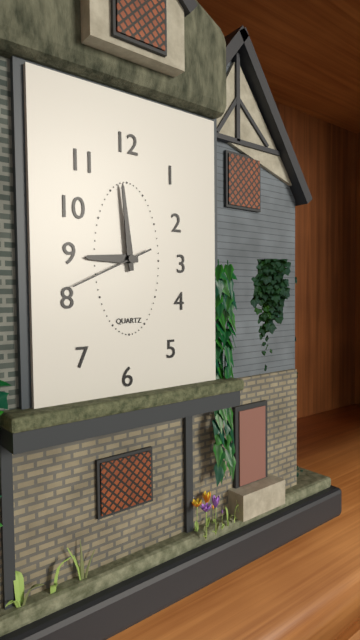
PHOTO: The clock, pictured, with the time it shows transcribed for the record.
8:59:41
